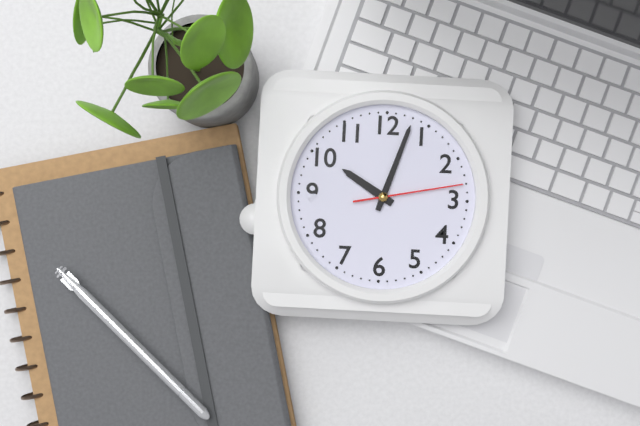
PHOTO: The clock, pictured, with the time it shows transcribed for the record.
10:03:13
